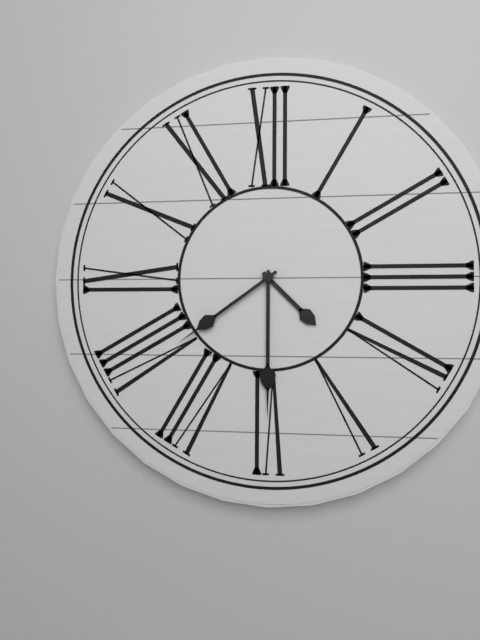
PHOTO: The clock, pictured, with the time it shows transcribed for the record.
4:30:39
